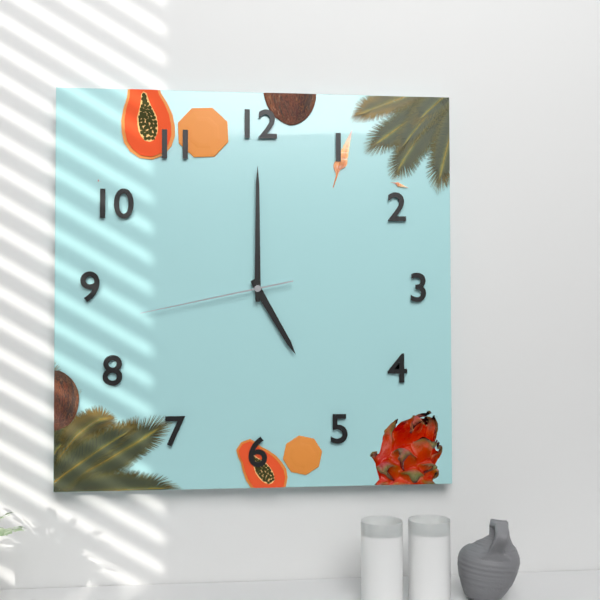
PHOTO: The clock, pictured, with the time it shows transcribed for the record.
5:00:43
